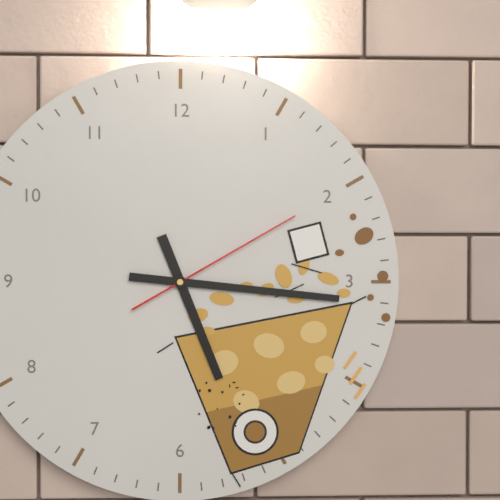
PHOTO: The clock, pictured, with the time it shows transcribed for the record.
5:16:10
